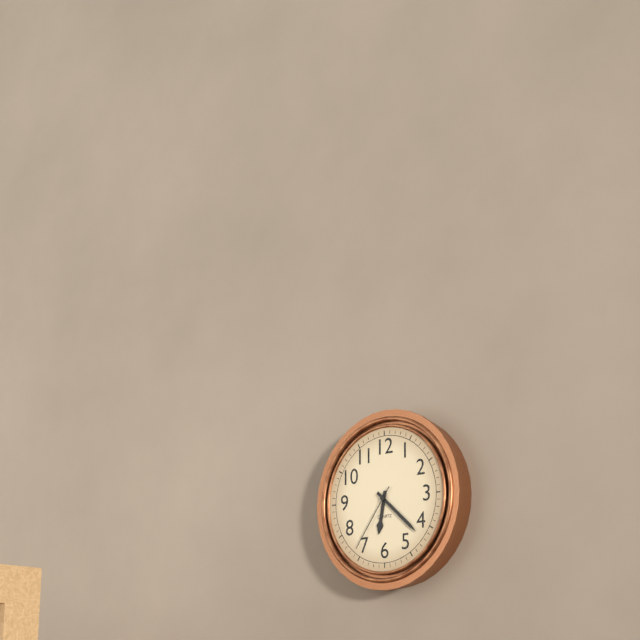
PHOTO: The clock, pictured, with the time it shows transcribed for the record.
6:22:36
